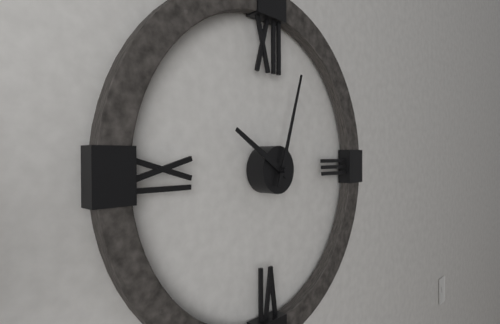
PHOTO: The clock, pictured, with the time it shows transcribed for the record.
10:03
